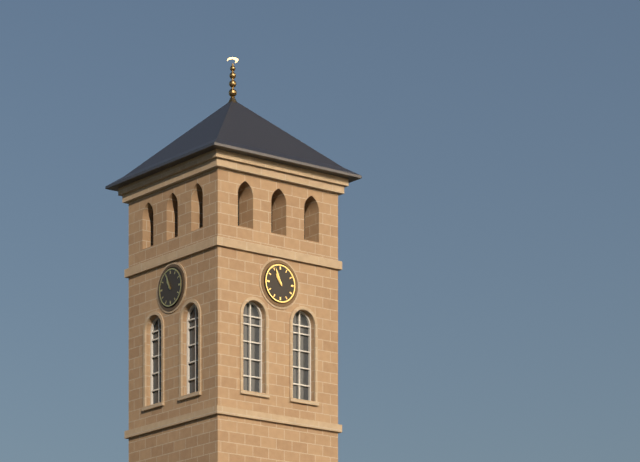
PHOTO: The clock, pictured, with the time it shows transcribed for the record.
10:56
